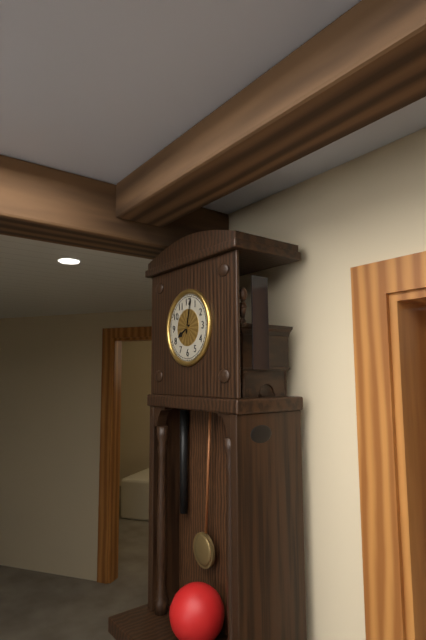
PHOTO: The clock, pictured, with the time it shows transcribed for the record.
8:02
